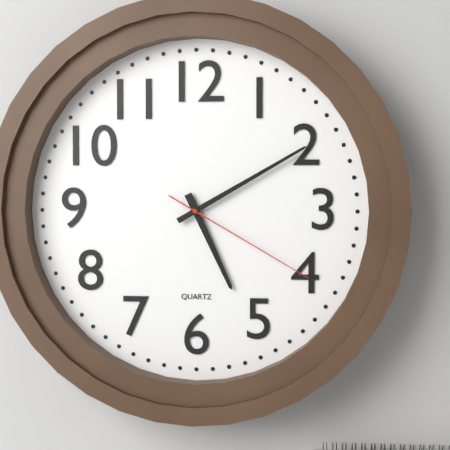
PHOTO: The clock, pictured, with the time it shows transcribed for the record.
5:10:20
